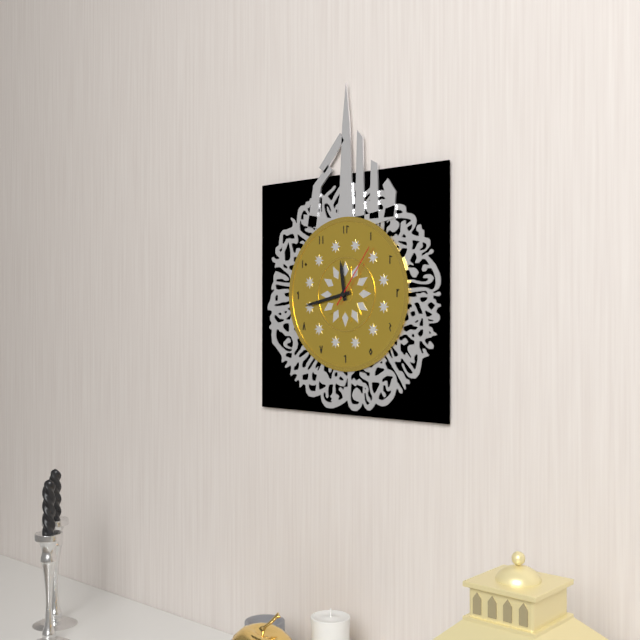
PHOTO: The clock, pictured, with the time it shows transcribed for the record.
11:43:06
